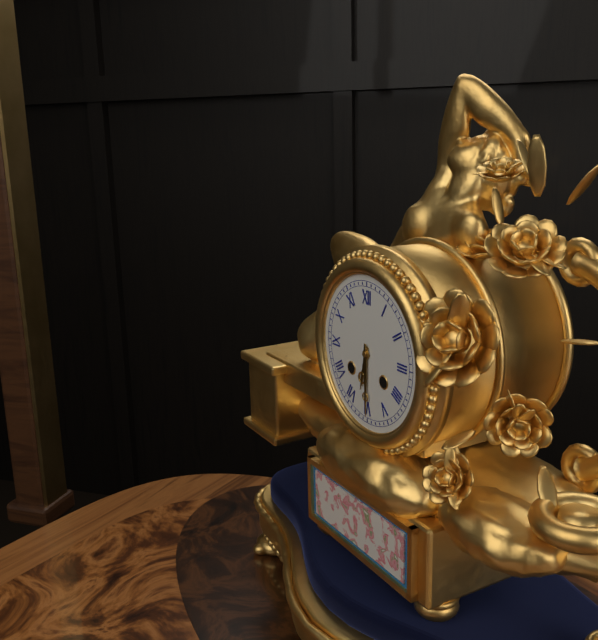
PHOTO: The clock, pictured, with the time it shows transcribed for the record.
6:30
